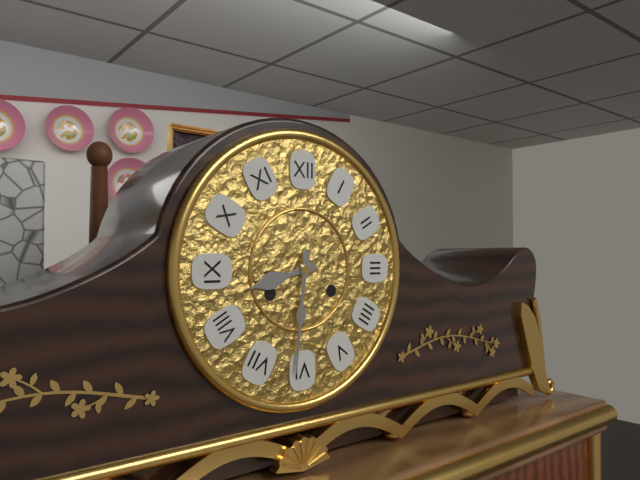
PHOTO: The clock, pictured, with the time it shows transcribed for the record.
8:31
